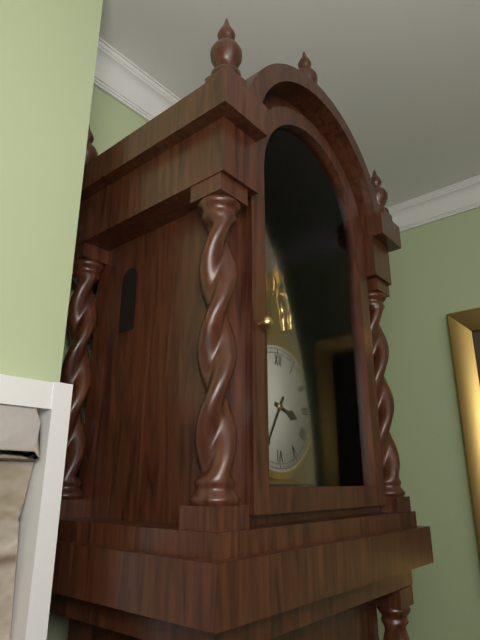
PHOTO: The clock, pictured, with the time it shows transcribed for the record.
3:35
